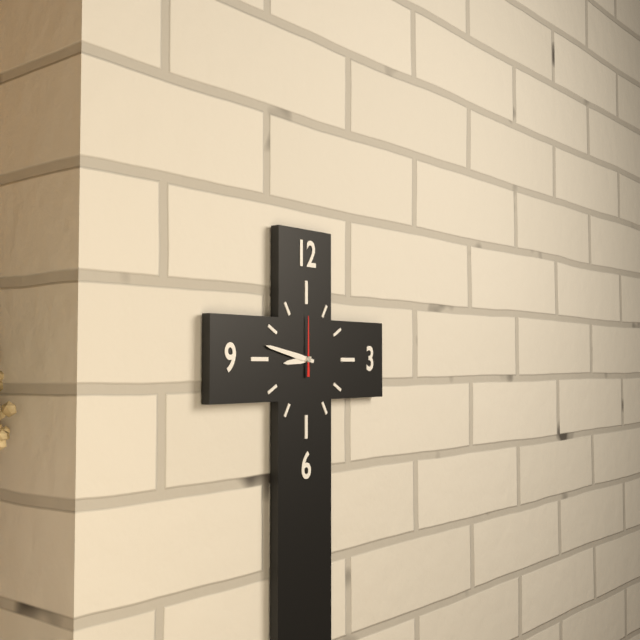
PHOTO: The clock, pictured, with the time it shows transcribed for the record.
8:47:00
